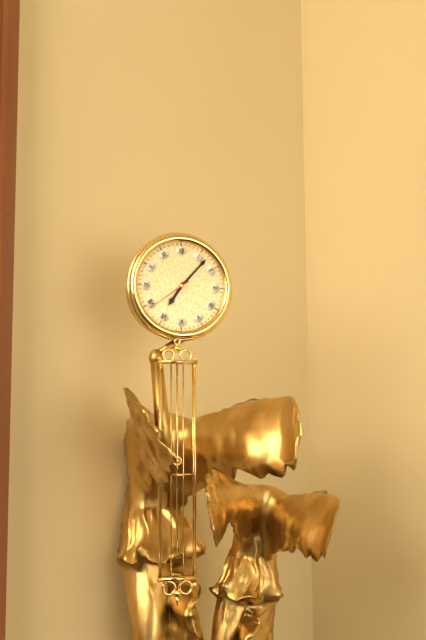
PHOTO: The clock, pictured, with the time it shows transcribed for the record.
7:07
